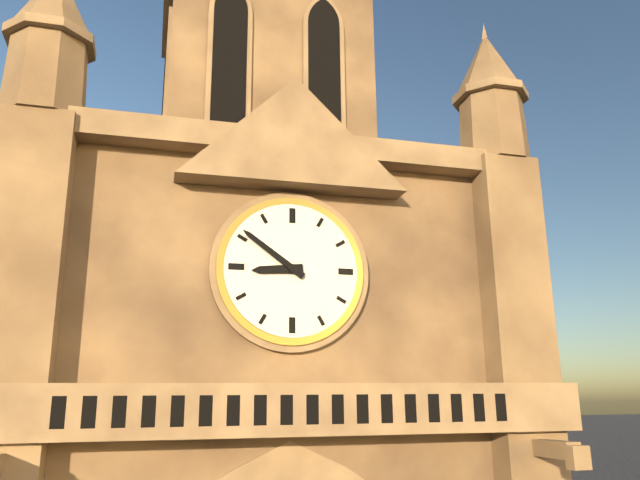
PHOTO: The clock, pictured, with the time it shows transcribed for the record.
8:51
